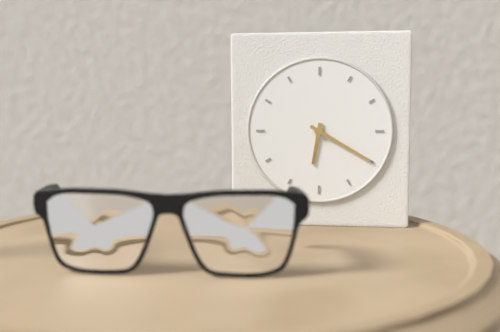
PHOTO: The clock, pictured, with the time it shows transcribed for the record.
6:20
